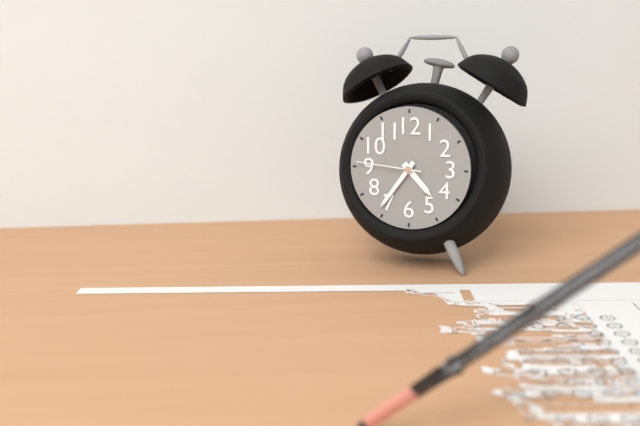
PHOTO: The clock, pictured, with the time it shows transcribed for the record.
4:36:46
